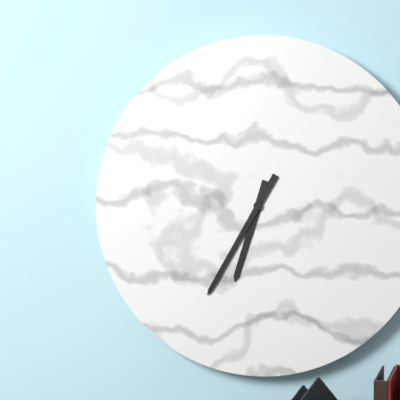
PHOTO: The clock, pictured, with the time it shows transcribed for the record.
6:35
